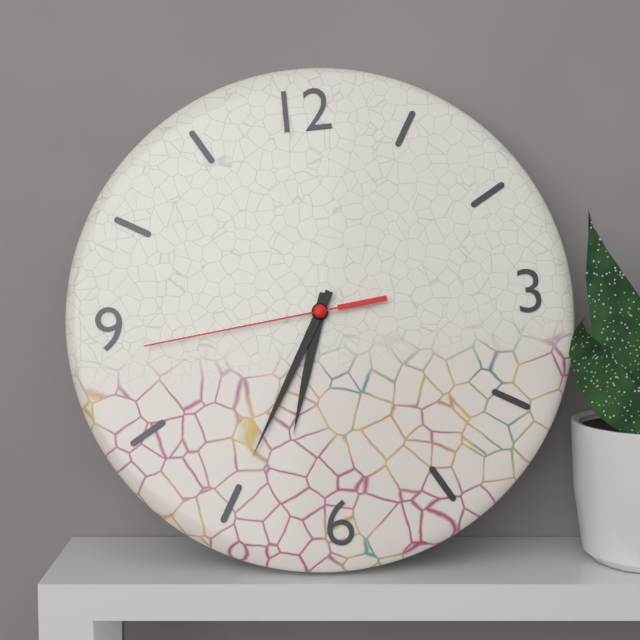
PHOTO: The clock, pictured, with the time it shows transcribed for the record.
6:35:44
